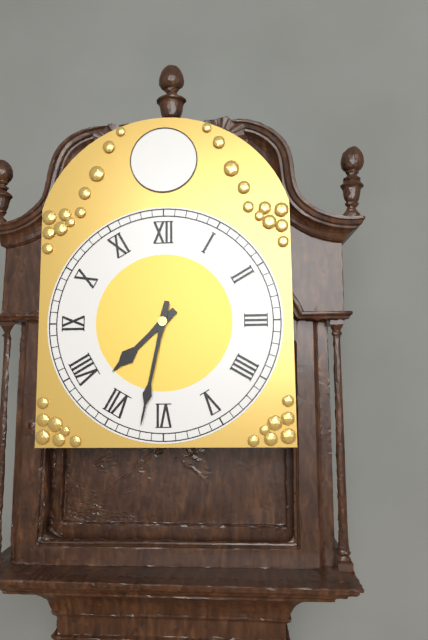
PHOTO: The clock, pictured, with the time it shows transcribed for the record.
7:32
